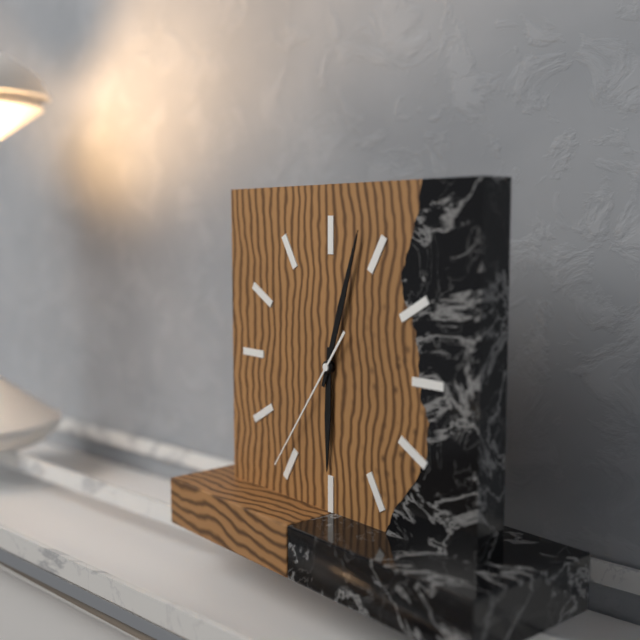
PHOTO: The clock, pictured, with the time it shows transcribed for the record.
6:03:36
